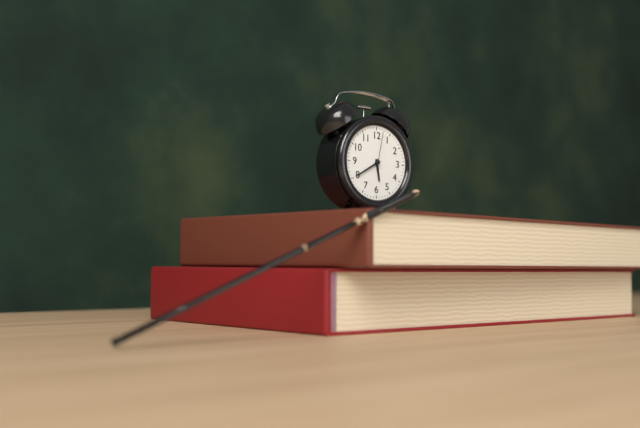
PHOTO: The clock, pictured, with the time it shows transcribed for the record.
5:40
